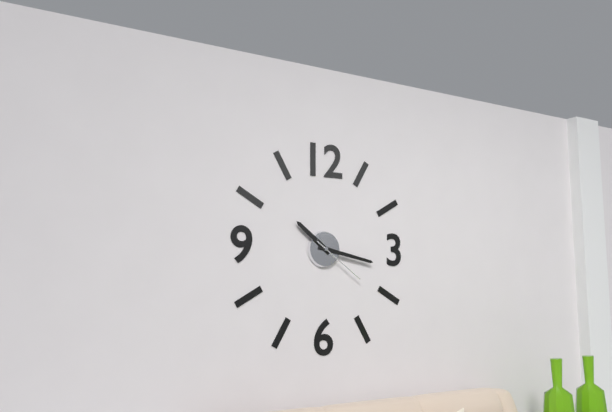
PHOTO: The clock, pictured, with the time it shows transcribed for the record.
10:17:21
